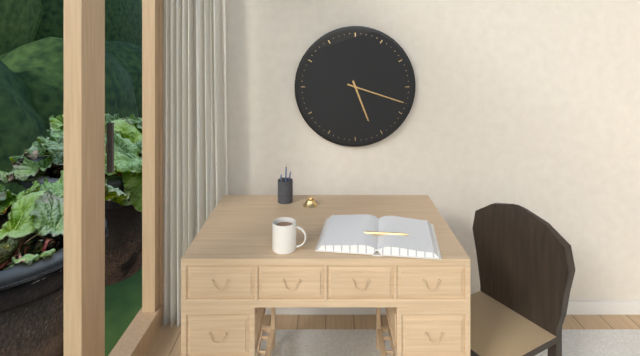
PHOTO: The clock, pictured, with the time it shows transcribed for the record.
5:18
